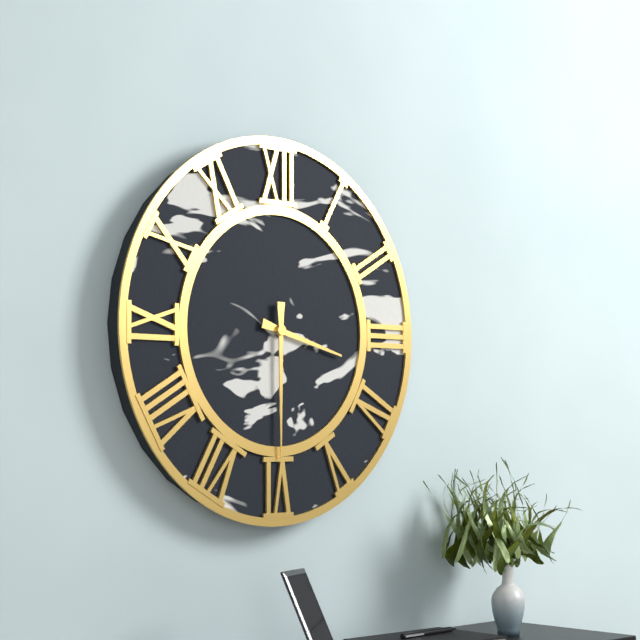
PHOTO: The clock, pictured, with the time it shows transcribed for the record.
3:30
